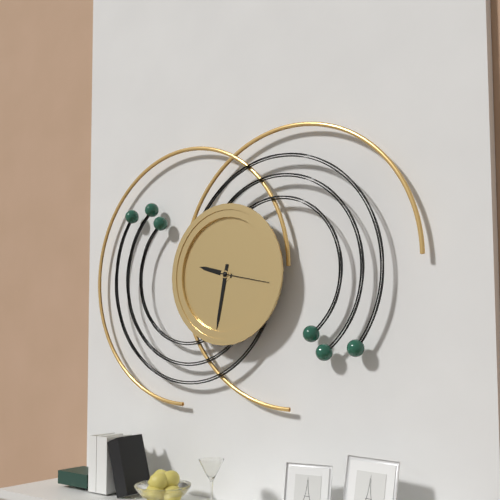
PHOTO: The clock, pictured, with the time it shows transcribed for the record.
9:32:17
